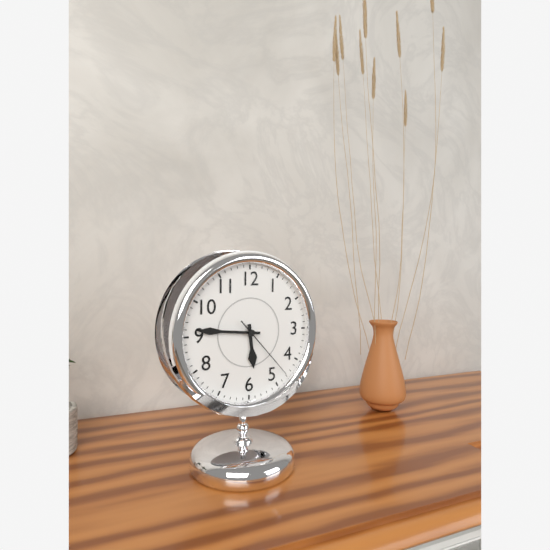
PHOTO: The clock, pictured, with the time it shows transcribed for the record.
5:46:23
